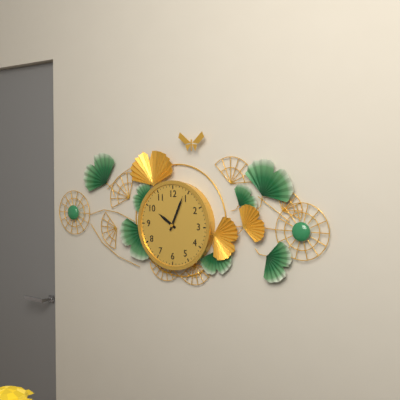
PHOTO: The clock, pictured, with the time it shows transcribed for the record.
10:04
